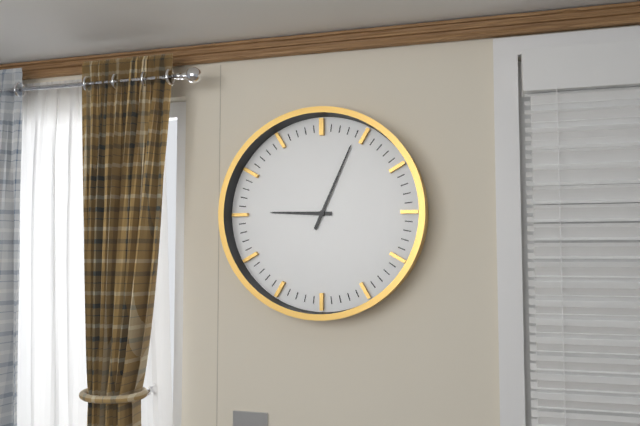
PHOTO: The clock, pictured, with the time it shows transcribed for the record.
9:04
